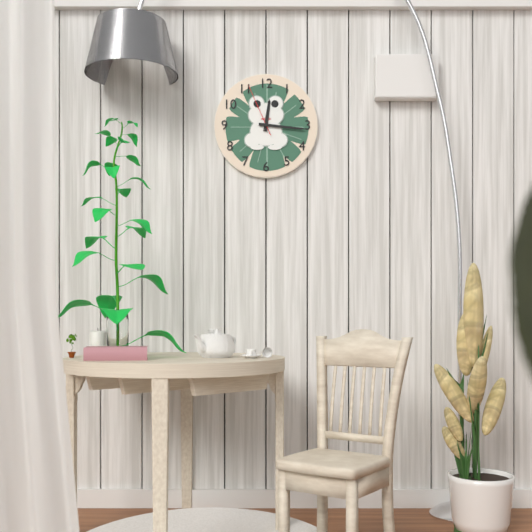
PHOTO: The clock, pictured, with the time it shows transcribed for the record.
12:16:56
